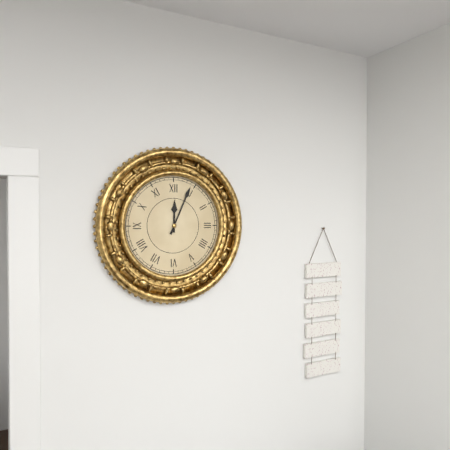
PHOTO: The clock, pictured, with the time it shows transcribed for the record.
12:04
